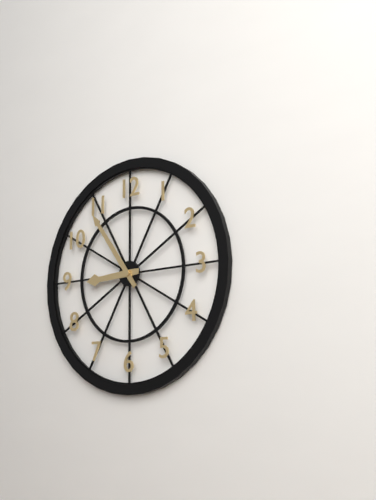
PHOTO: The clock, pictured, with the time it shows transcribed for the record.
8:54
